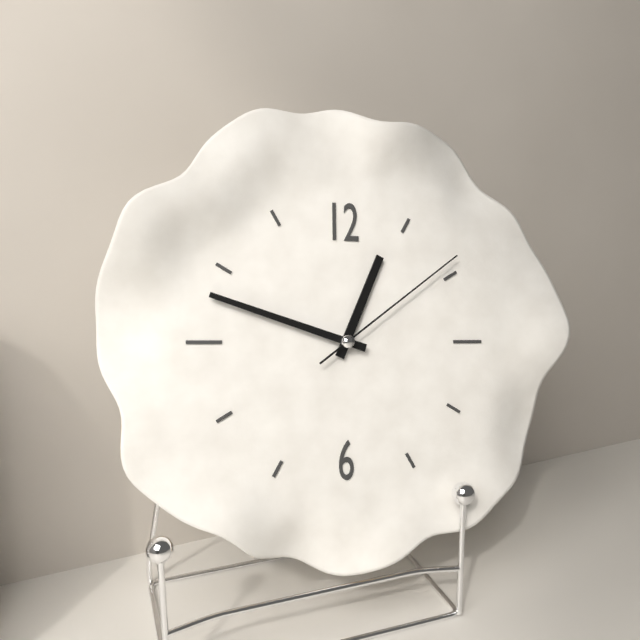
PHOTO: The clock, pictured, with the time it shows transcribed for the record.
12:48:09
